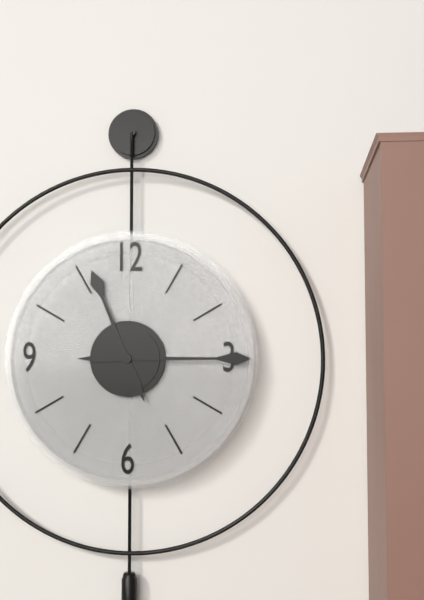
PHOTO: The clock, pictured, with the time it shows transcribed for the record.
11:15
